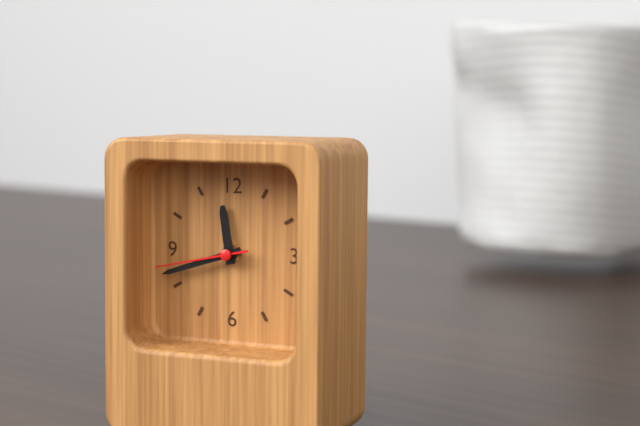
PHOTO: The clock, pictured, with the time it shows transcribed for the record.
11:42:43
